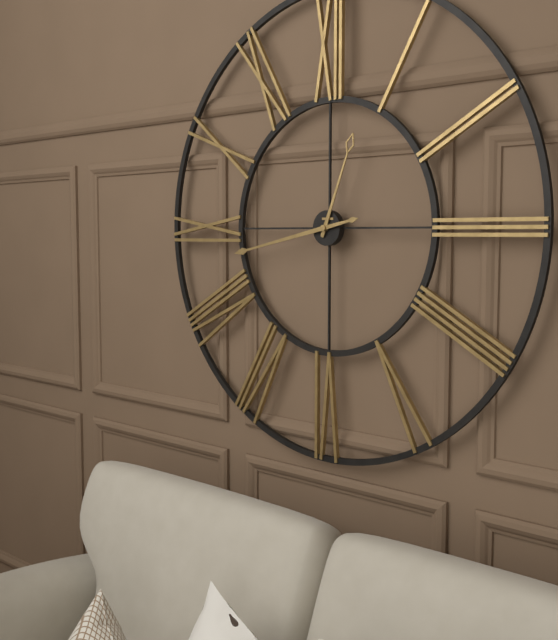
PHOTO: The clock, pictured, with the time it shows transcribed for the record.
12:43
